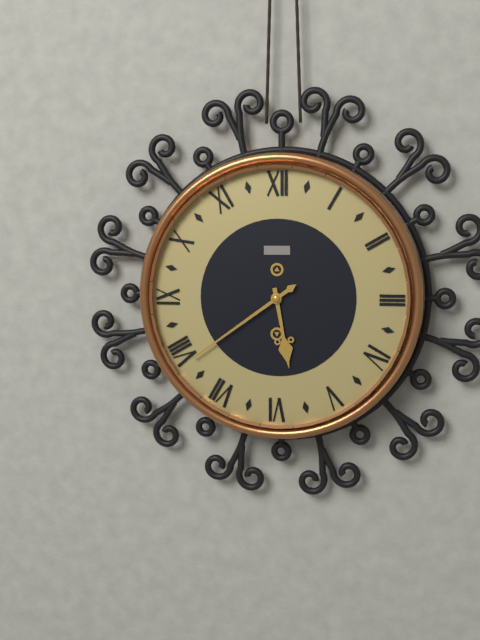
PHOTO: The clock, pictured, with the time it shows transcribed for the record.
5:39
